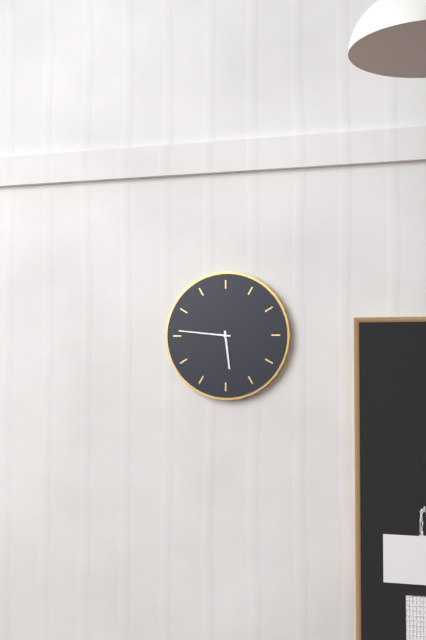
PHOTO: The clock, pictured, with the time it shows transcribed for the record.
5:46
